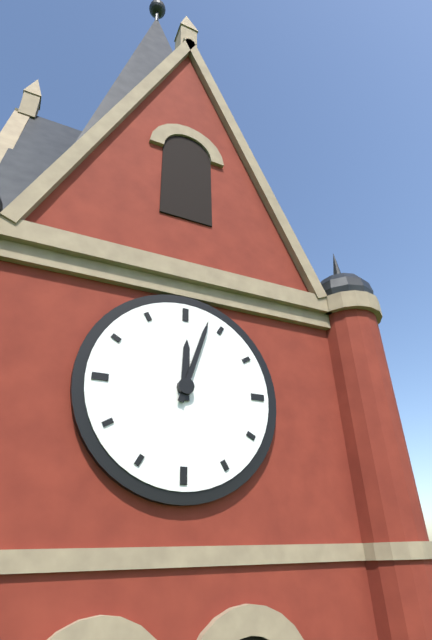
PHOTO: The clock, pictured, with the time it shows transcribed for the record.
12:03
